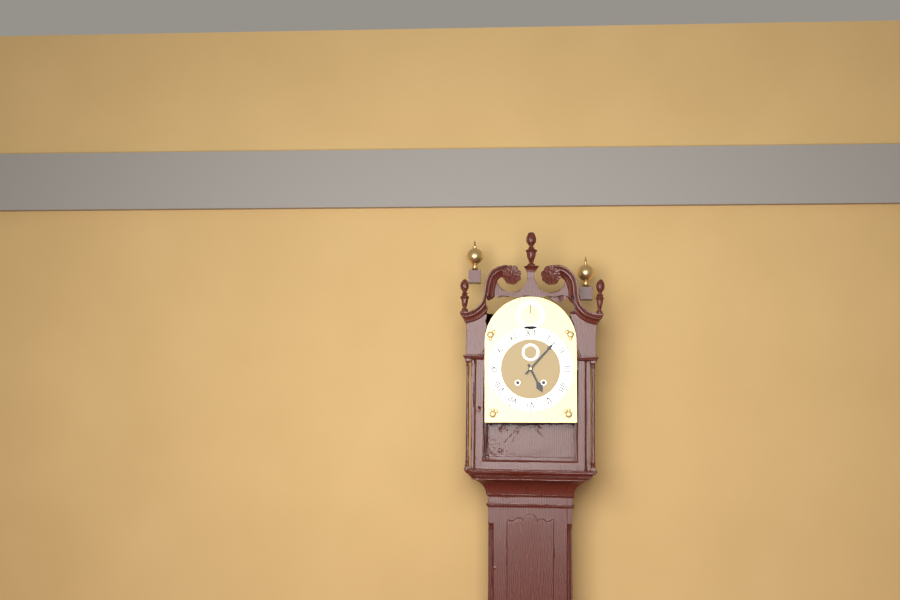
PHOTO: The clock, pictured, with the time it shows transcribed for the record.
5:07
